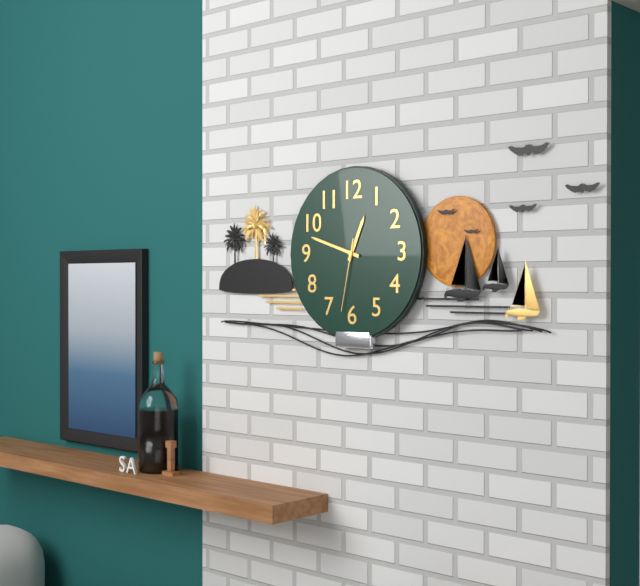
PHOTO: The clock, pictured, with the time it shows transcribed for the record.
12:48:32
